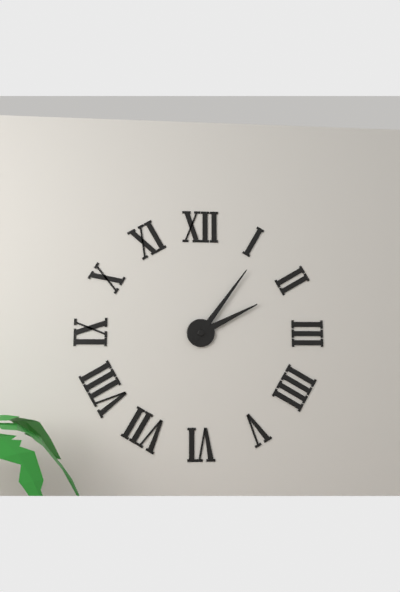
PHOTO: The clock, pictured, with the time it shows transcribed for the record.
2:06
